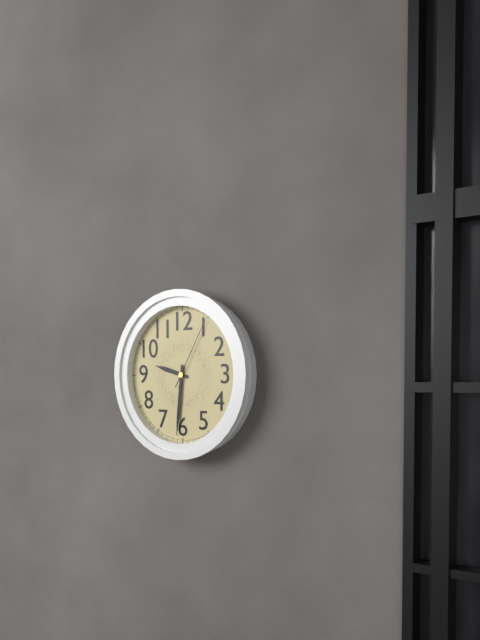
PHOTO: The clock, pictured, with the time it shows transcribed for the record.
9:31:05
